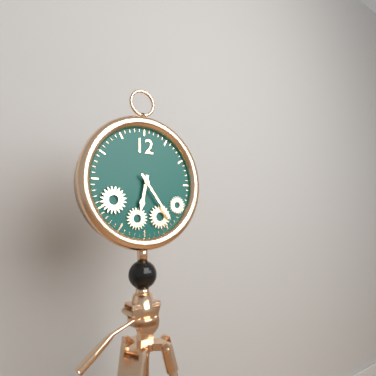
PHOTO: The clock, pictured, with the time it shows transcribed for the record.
6:24
